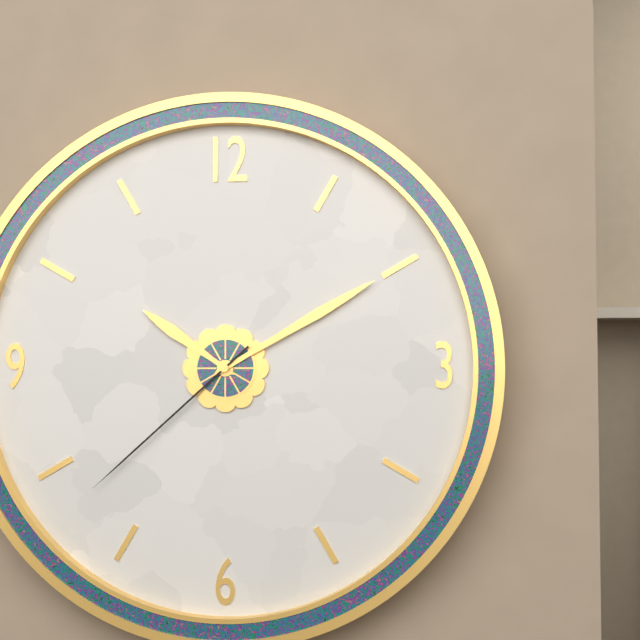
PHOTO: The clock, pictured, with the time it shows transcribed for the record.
10:10:38
